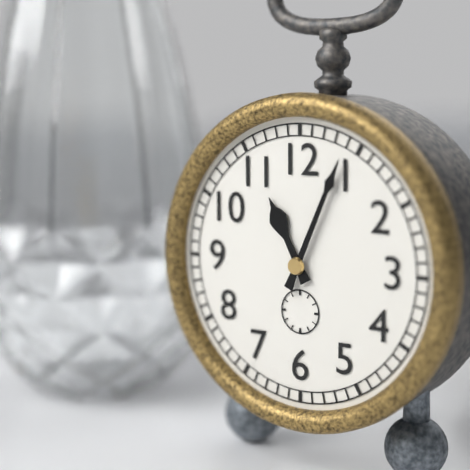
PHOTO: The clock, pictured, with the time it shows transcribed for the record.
11:04
